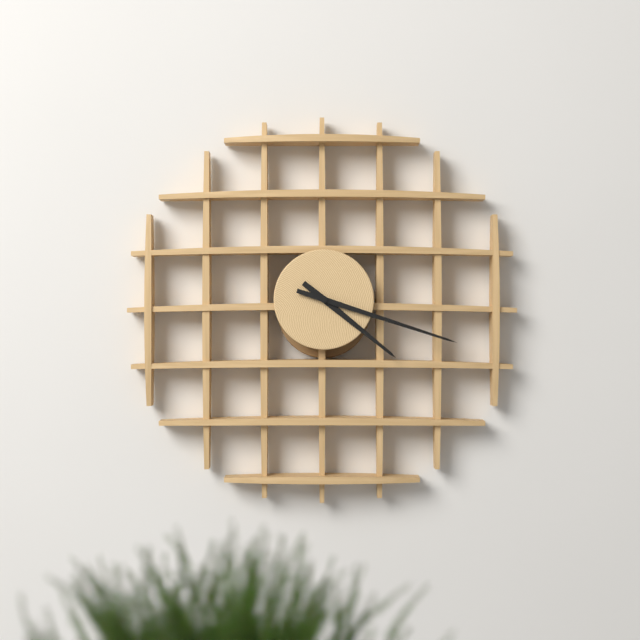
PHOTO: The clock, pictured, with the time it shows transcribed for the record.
4:18
